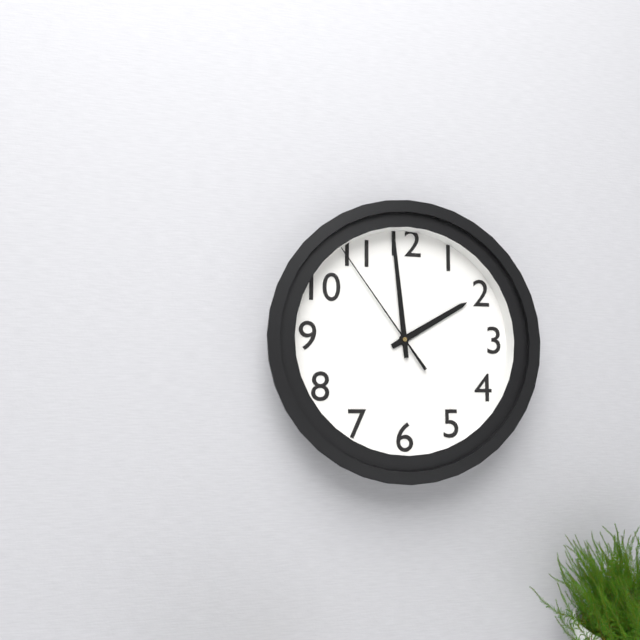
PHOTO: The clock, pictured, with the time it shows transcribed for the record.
1:59:54
